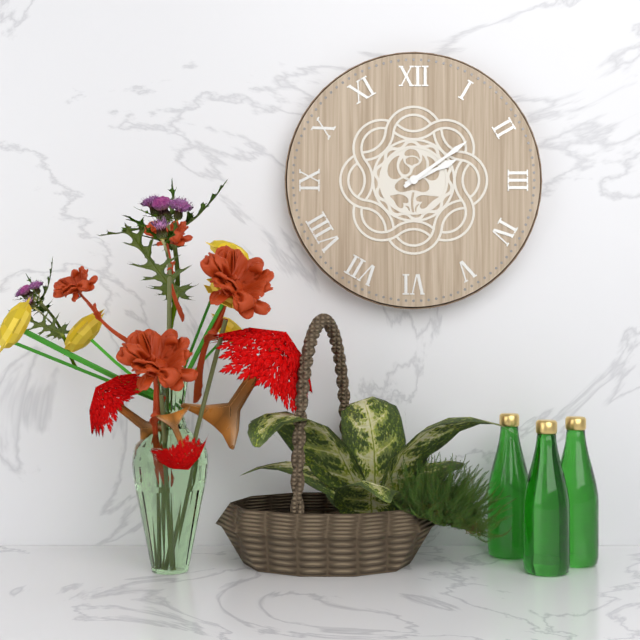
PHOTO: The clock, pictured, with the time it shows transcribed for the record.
2:09
